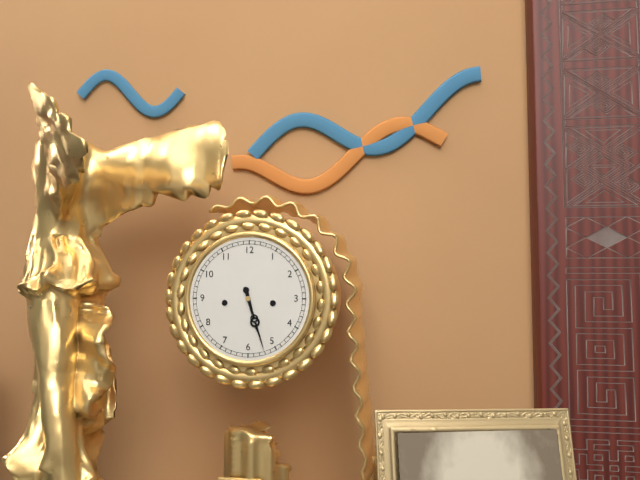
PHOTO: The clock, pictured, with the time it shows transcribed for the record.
5:27
